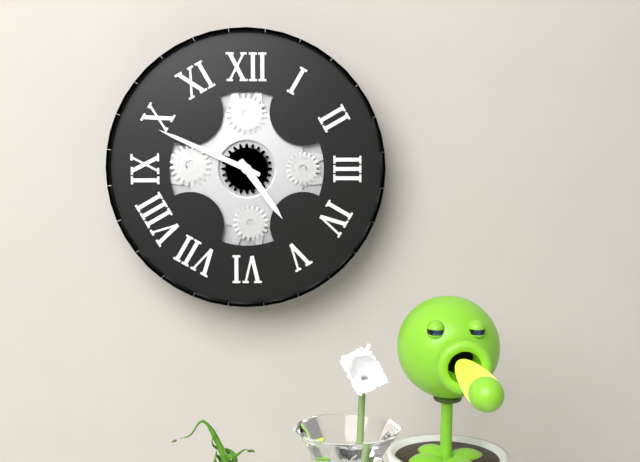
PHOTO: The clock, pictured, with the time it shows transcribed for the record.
4:49
